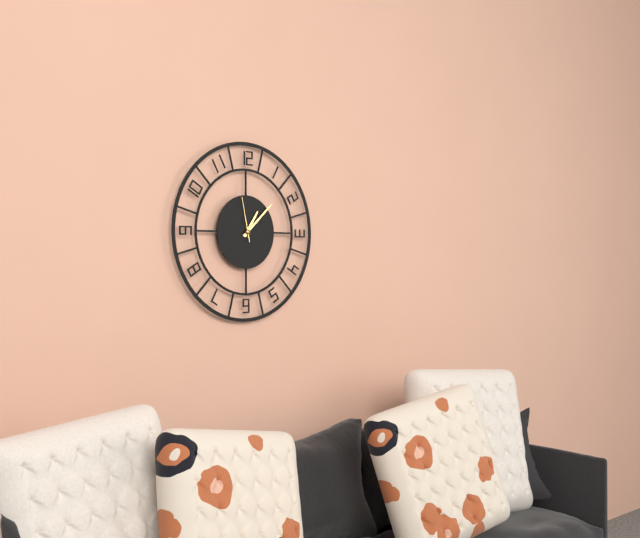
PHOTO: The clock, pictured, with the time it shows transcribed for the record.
1:08
